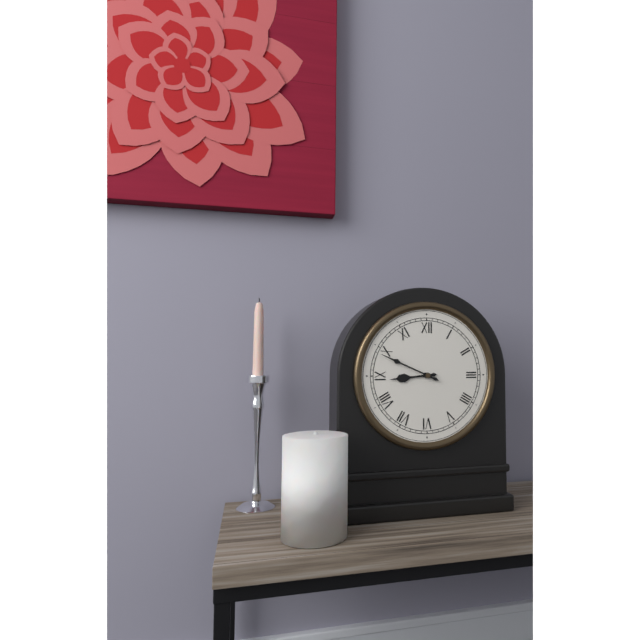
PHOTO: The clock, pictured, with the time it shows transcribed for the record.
8:49
